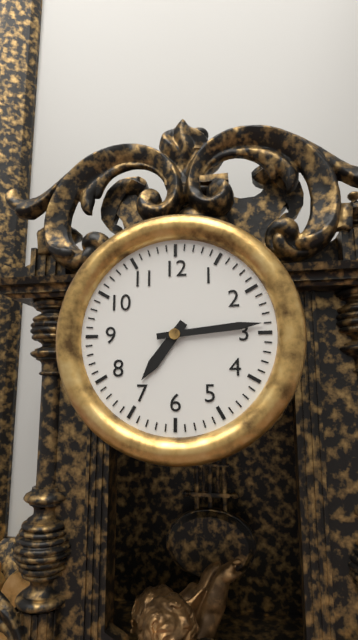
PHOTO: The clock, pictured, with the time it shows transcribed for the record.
7:14
